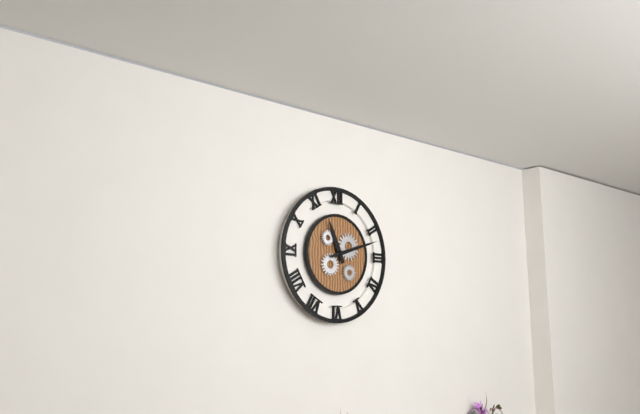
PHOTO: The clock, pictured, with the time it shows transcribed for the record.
11:12
